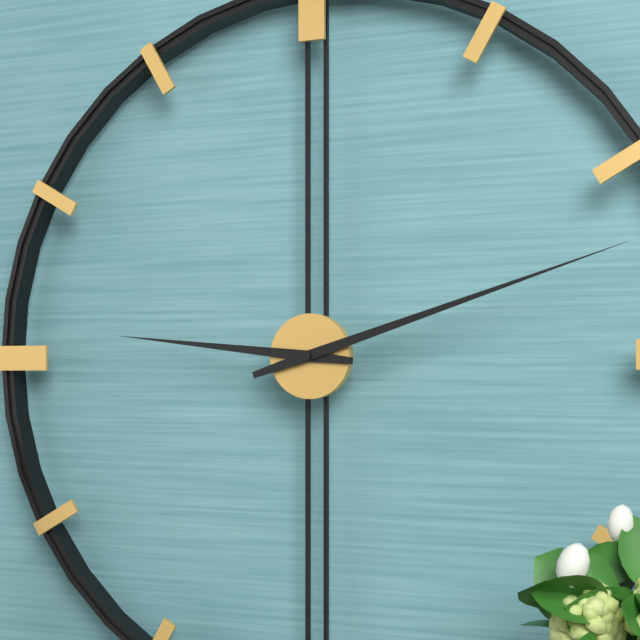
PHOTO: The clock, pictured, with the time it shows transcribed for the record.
9:12
